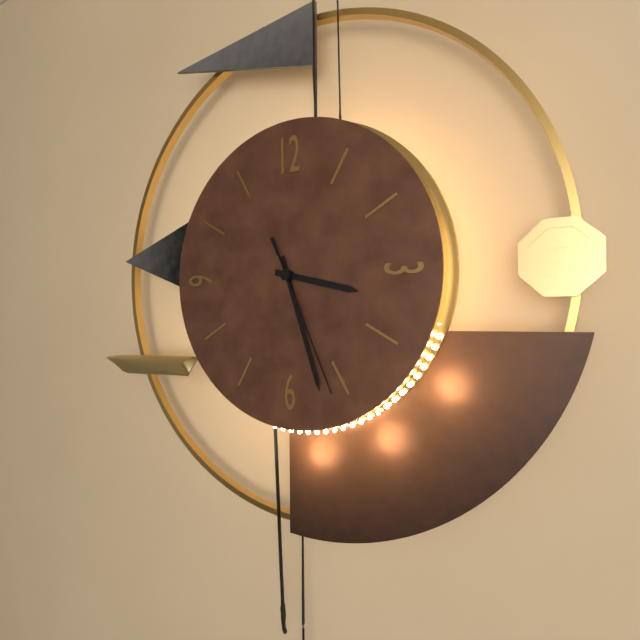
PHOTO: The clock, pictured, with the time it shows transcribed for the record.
3:27:26
